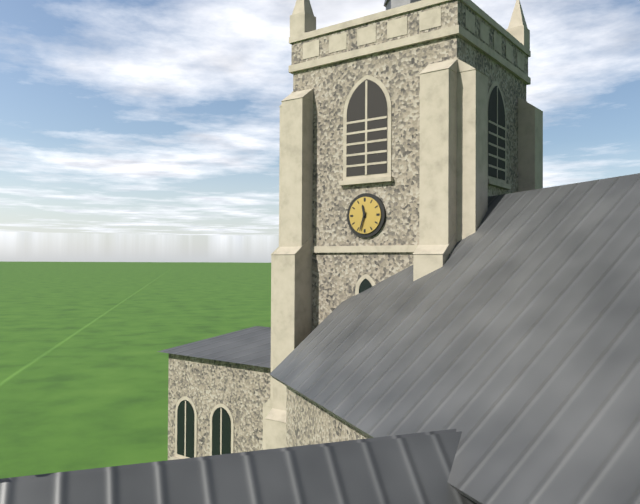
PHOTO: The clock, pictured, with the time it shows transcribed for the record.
11:33
